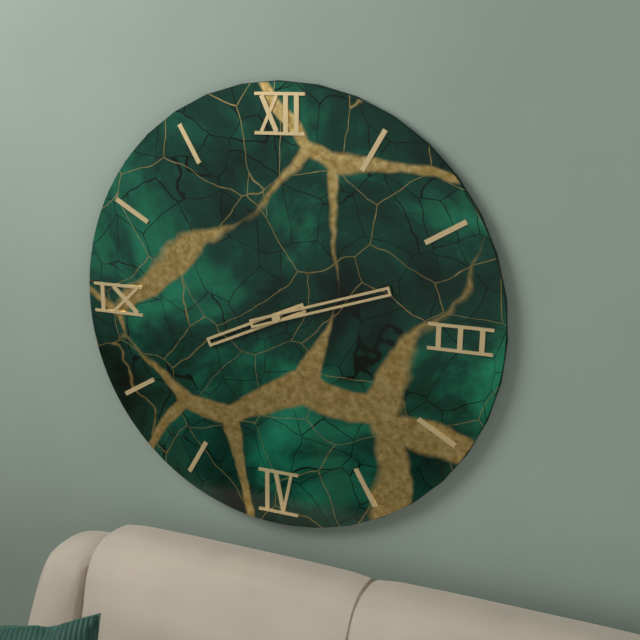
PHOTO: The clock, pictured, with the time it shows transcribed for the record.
8:12
